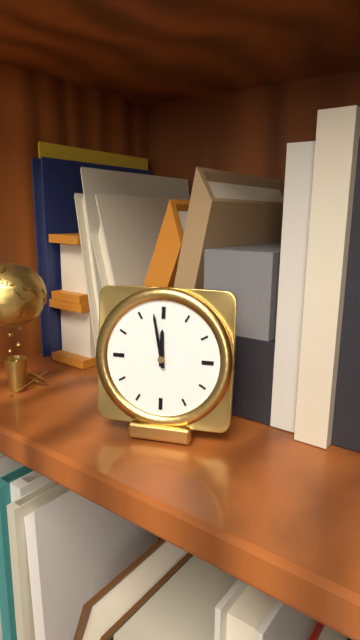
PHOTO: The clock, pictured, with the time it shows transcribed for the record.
11:58
